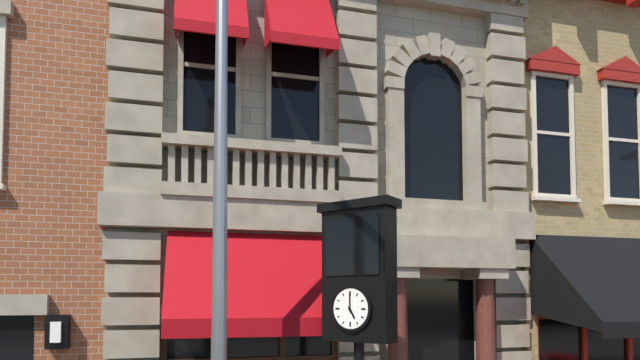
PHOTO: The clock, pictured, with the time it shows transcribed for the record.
5:00
